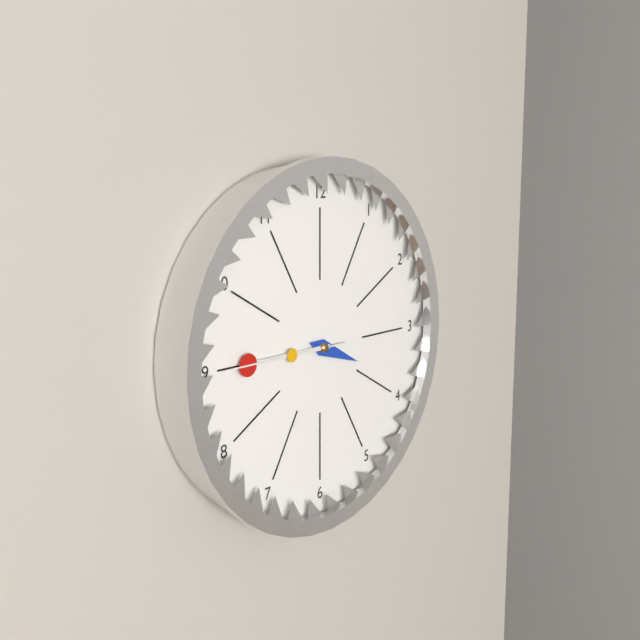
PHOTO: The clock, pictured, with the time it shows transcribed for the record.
3:45:45
